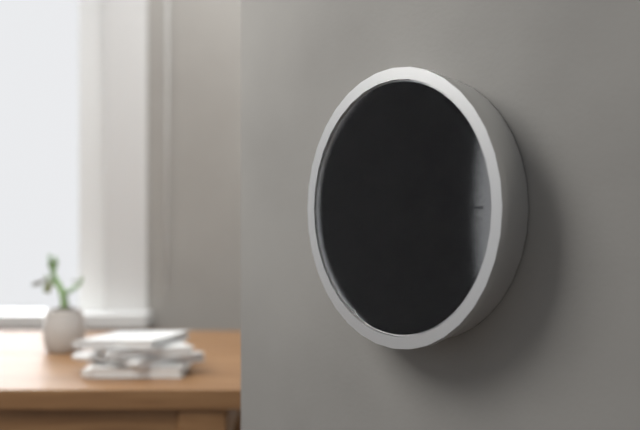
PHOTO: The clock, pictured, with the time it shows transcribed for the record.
5:08
